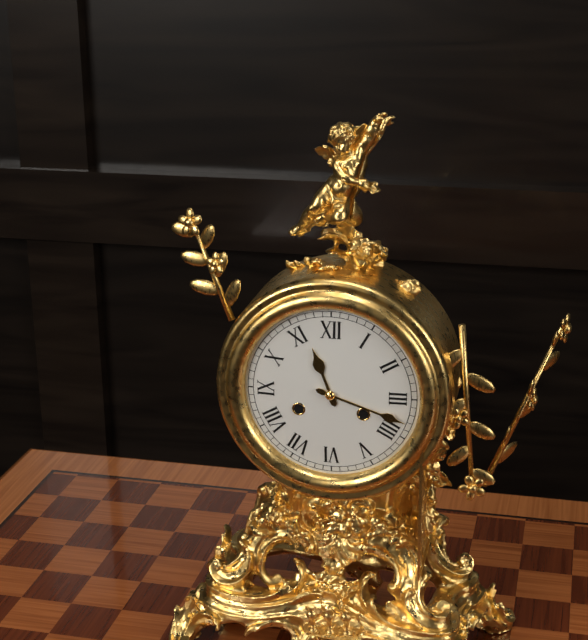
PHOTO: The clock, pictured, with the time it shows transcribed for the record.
11:18
